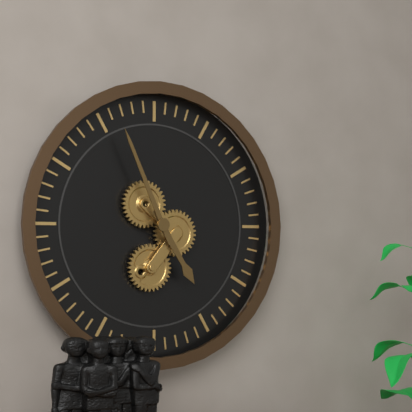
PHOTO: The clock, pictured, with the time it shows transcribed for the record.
4:56
